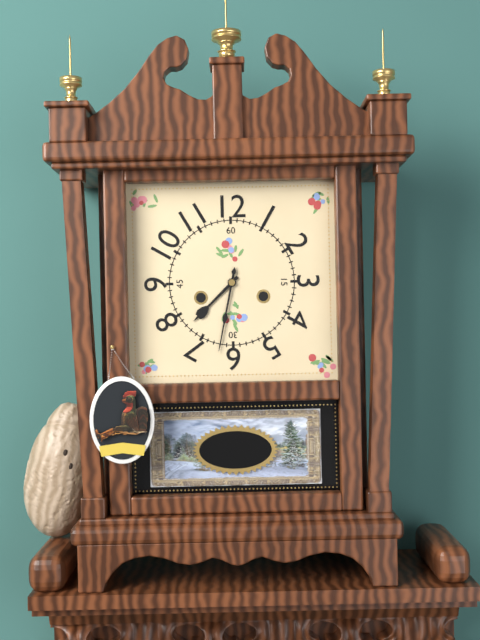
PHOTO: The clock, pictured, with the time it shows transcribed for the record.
7:32
